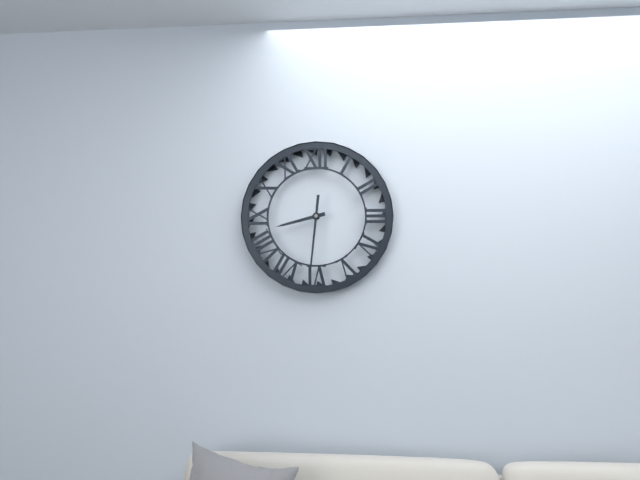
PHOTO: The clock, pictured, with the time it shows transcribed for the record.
8:31
